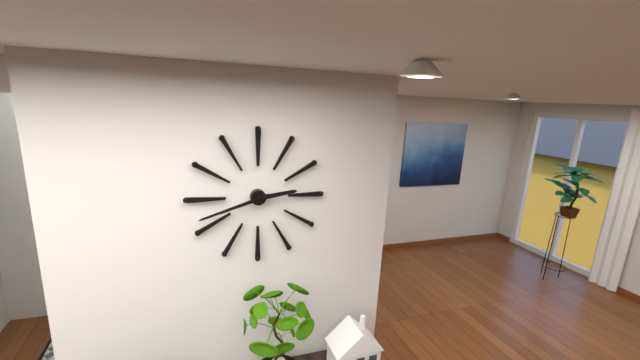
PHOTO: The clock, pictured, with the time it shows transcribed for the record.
2:42
